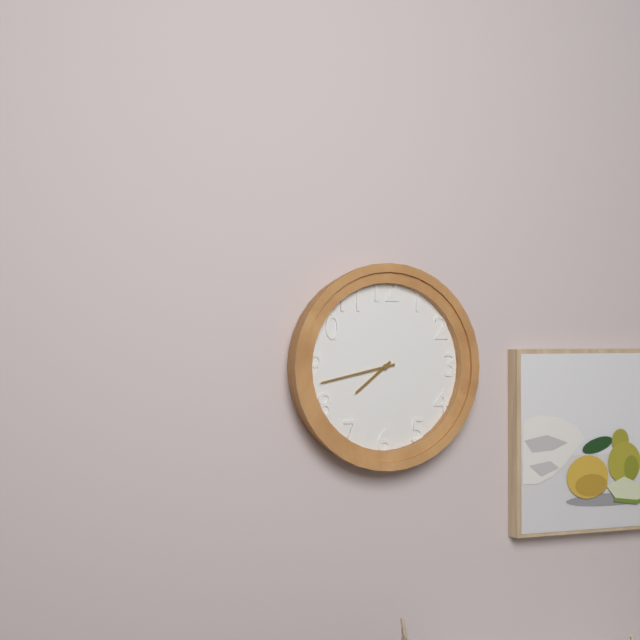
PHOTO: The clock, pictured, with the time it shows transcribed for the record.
7:43
